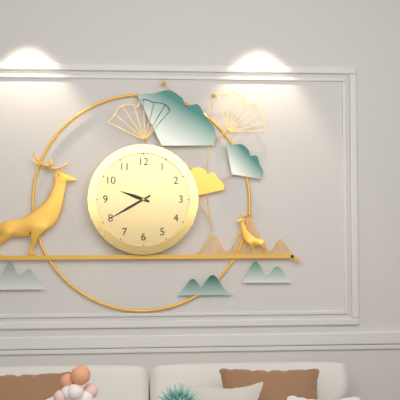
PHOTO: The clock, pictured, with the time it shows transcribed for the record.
9:40
